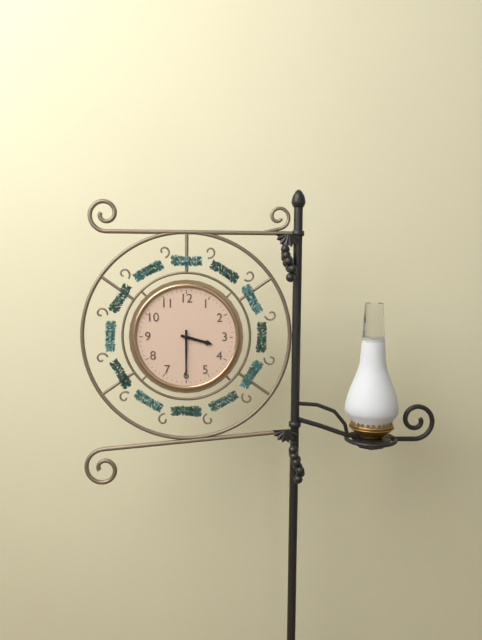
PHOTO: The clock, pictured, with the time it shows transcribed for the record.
3:30
